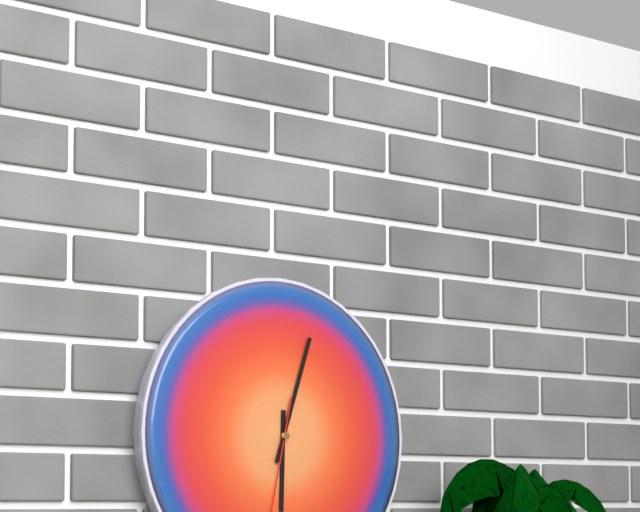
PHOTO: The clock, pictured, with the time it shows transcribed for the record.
6:03
